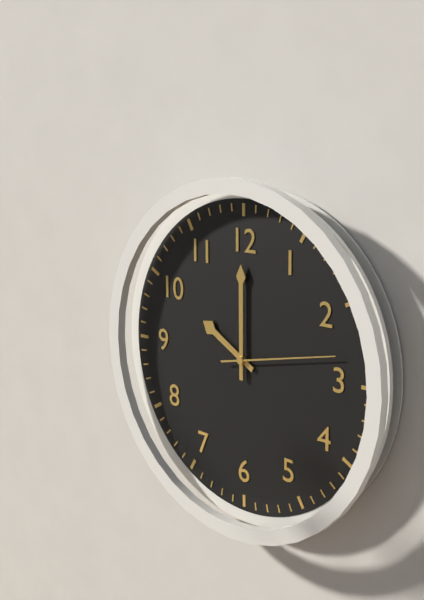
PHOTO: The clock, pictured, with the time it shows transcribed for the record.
10:00:13
